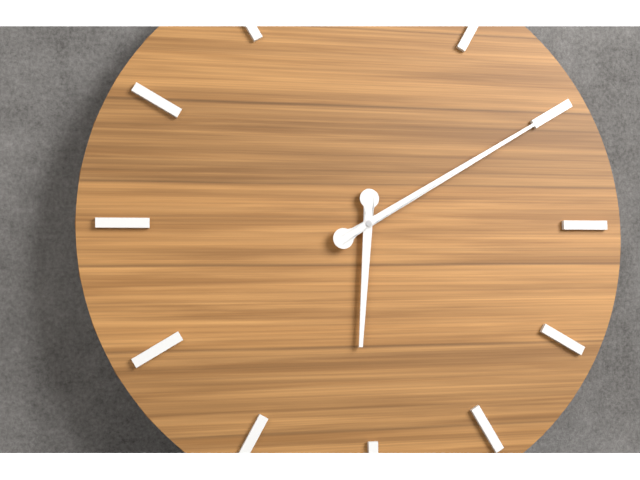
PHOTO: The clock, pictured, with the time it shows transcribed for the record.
6:10
